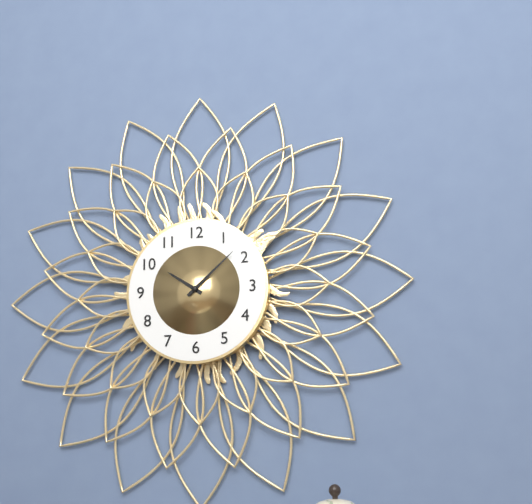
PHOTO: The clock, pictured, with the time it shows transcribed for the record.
10:08
